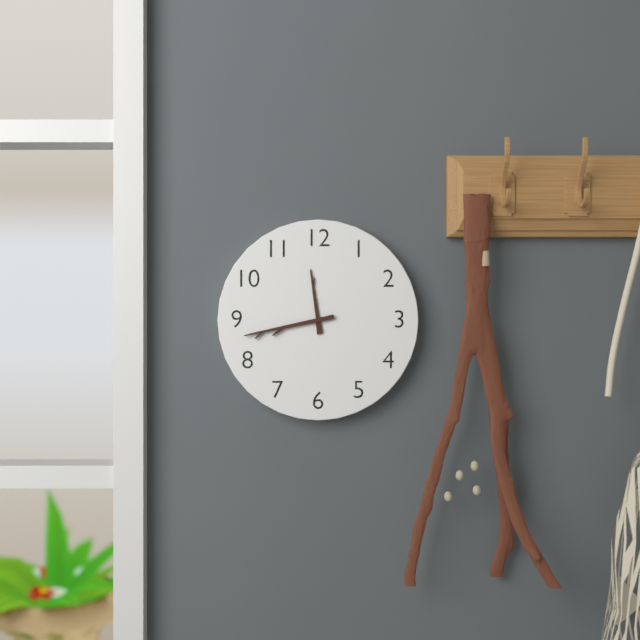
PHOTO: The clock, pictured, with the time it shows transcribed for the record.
11:43
